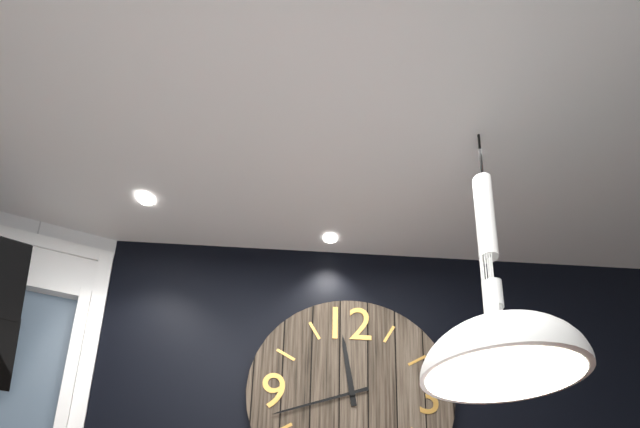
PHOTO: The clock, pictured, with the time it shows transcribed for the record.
11:42
